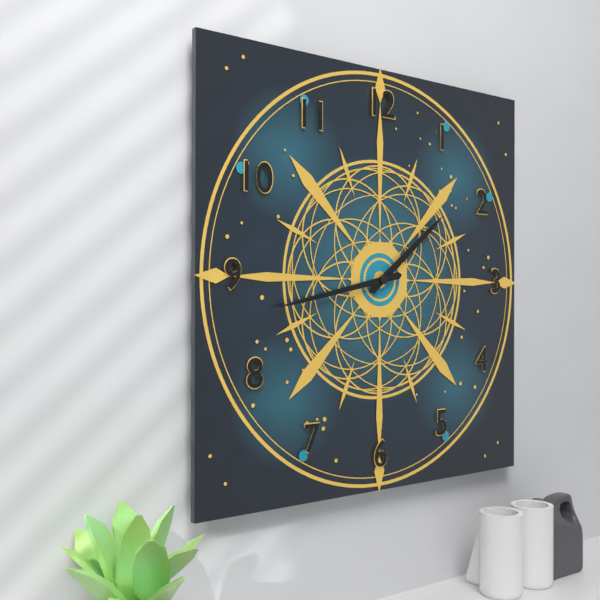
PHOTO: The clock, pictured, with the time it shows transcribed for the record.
1:43
